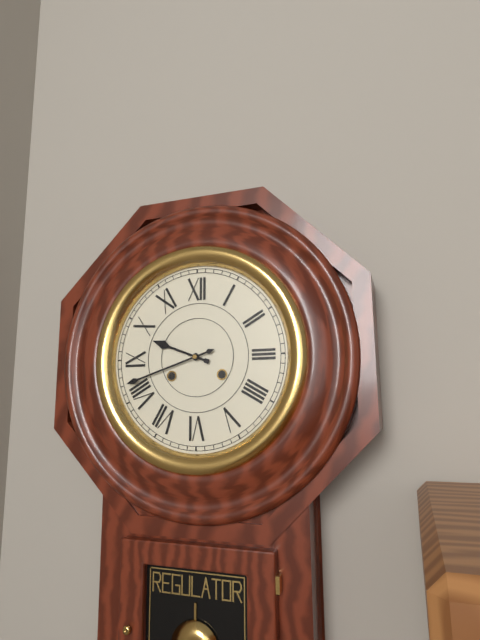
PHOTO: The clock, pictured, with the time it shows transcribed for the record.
9:42
